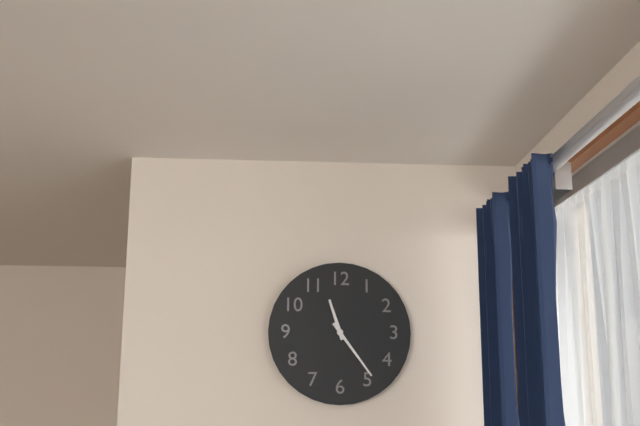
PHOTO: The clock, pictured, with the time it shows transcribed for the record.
11:24
